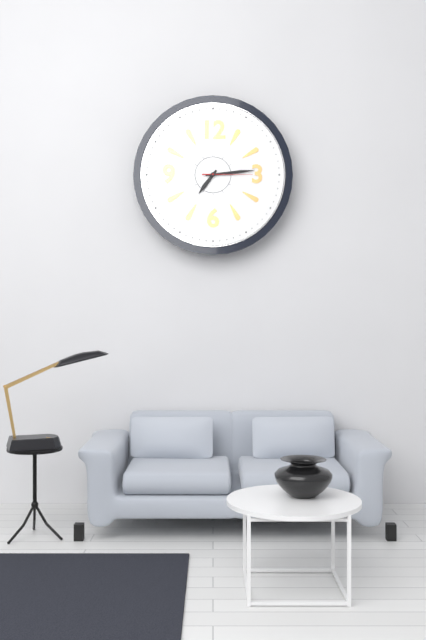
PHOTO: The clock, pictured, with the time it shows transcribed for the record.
7:14
